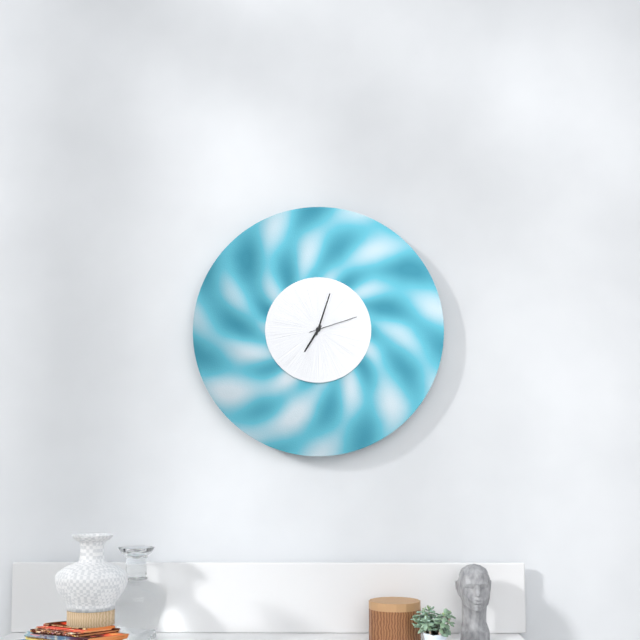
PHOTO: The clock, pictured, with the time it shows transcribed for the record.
7:03:12
